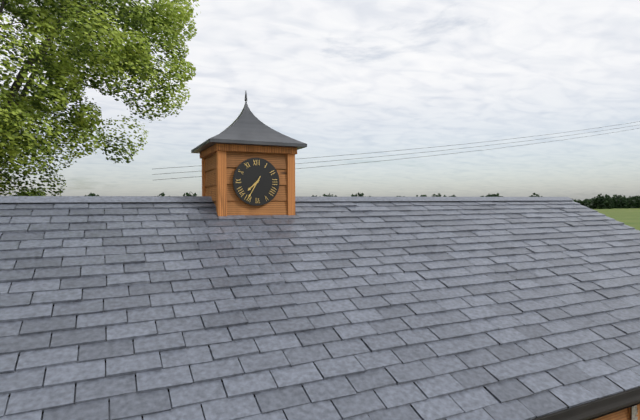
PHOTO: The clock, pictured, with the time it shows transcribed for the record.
7:35
